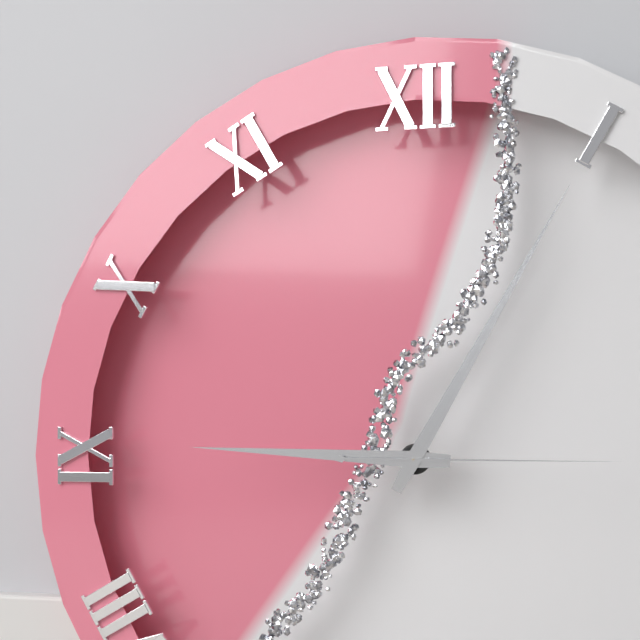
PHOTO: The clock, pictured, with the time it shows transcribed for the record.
9:05:15
